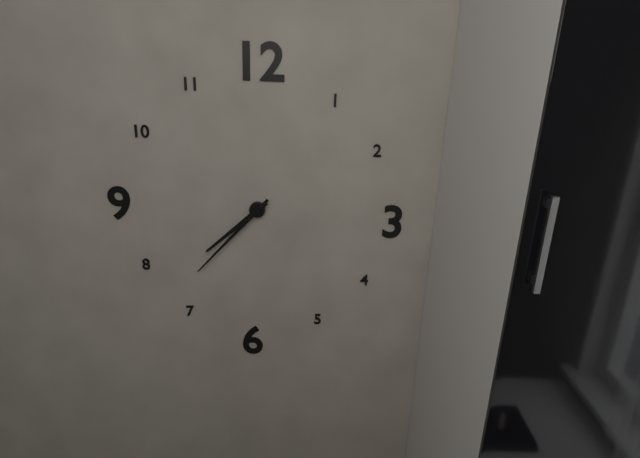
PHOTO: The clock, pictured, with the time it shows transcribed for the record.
7:37
